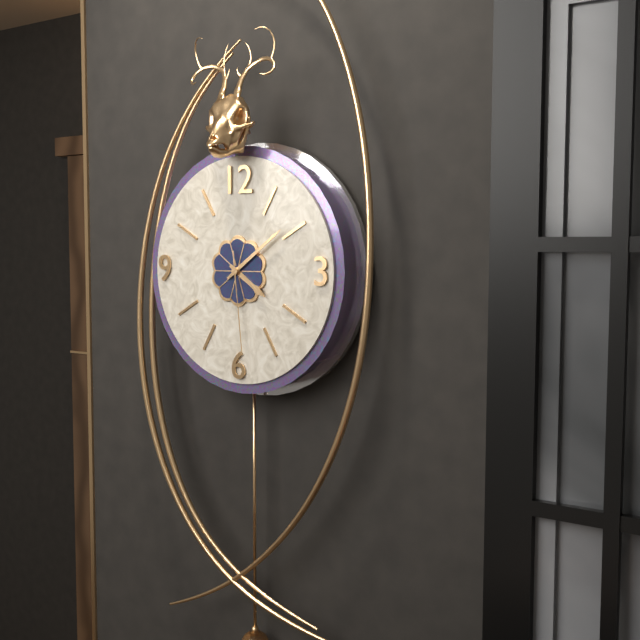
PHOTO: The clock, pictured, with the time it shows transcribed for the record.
4:09:29
